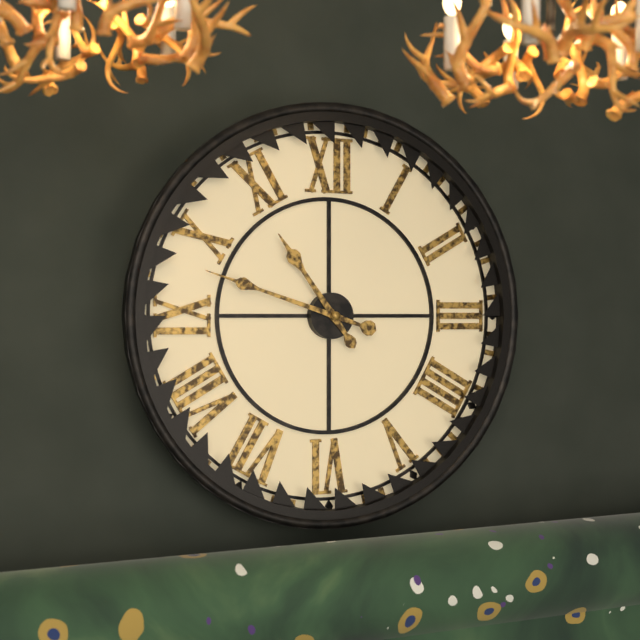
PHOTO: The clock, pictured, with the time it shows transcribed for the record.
10:48
